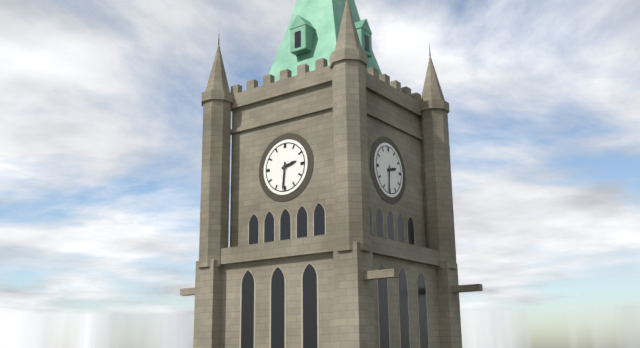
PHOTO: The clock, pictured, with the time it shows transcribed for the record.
2:31
